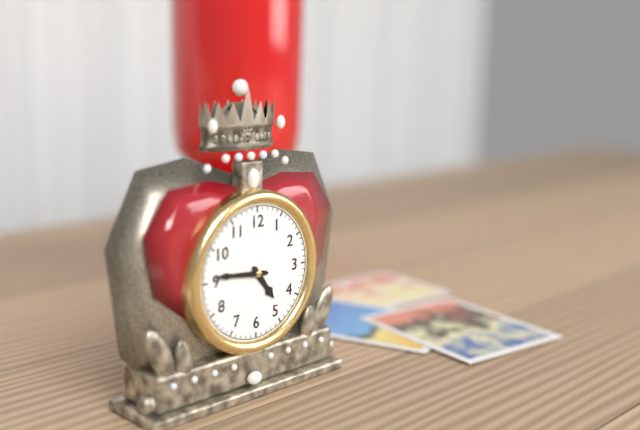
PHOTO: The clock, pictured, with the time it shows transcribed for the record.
4:46
